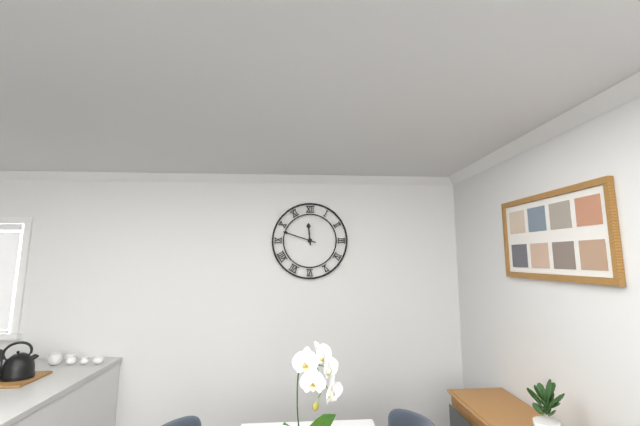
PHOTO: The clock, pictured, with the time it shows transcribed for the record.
11:48
